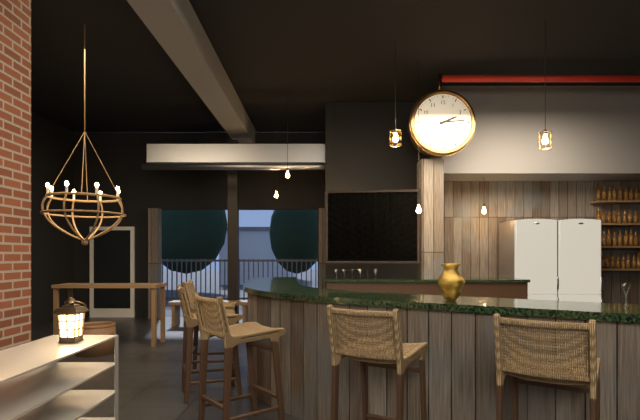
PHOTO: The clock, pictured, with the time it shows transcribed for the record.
2:14
